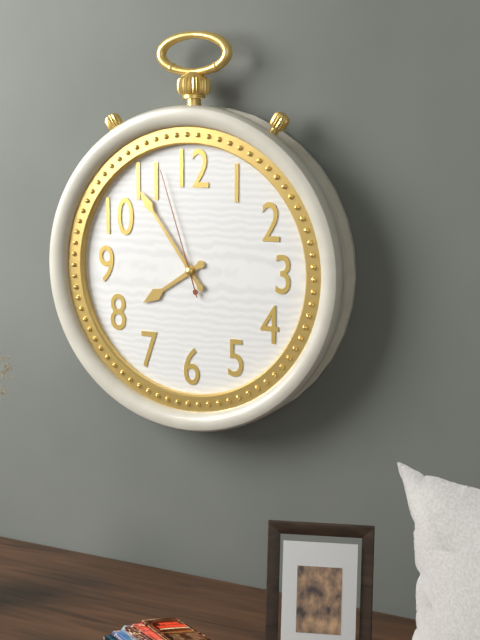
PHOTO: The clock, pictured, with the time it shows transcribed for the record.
7:54:57
